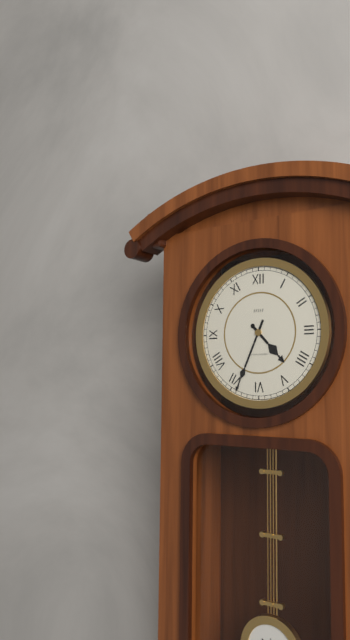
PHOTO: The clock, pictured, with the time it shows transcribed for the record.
4:34
